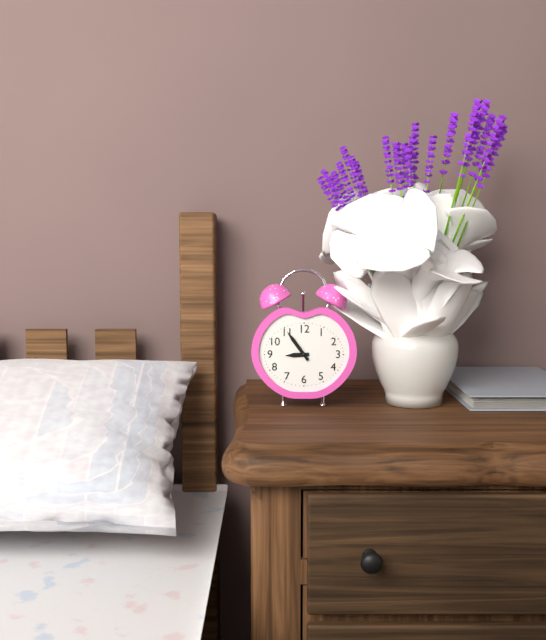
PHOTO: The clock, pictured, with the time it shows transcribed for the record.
8:54
